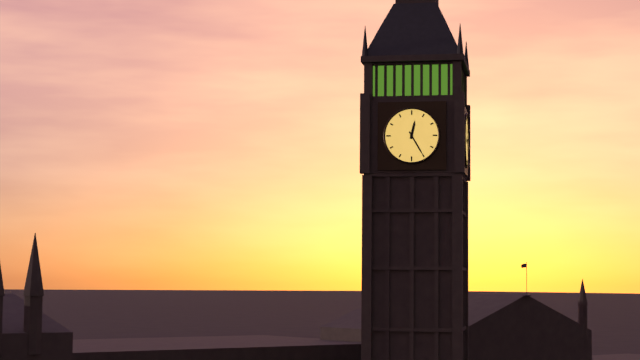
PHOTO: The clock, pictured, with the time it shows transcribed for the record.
12:25
